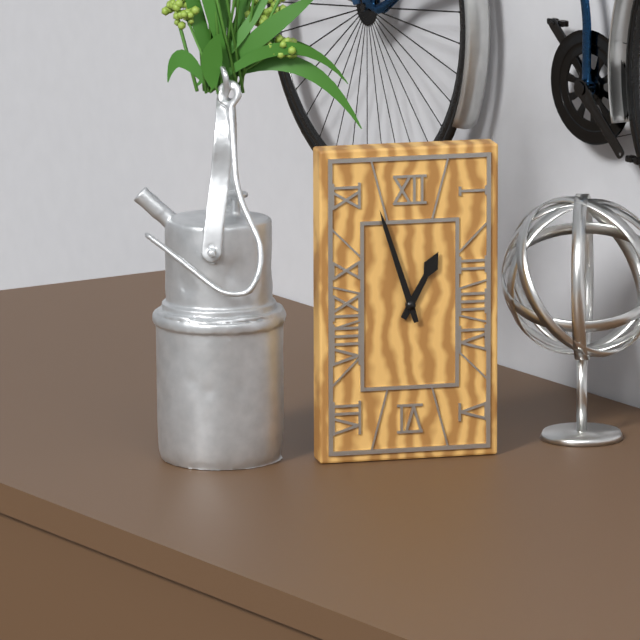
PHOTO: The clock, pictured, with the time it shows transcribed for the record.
12:57
